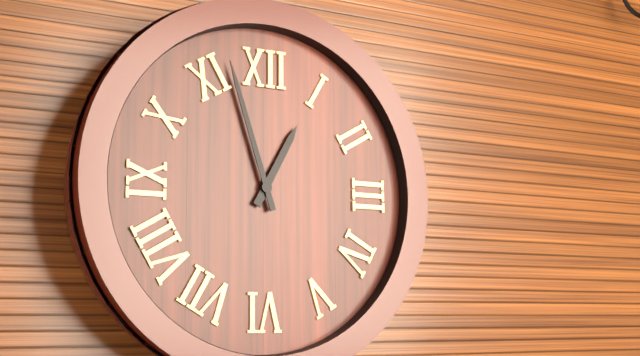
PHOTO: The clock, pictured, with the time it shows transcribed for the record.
12:57
